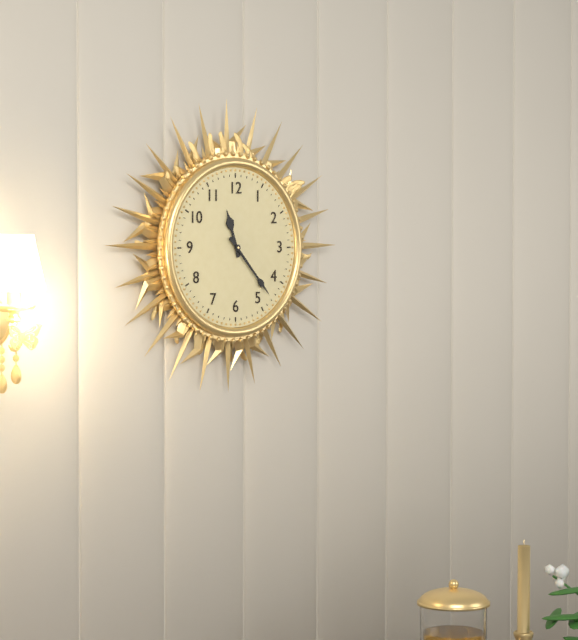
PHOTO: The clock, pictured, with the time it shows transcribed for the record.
11:23
